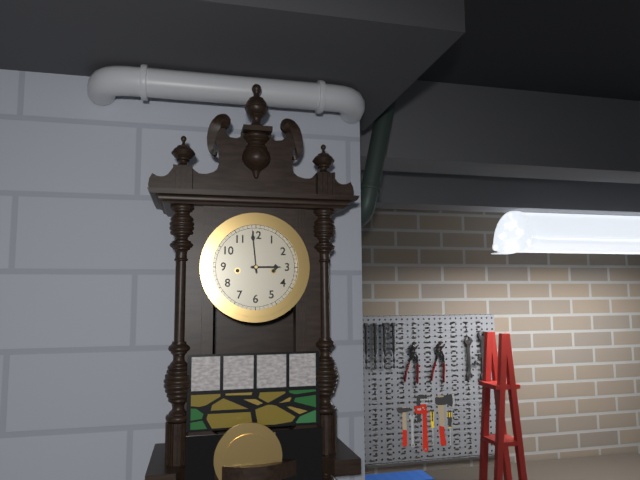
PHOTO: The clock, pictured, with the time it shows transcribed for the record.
2:59
